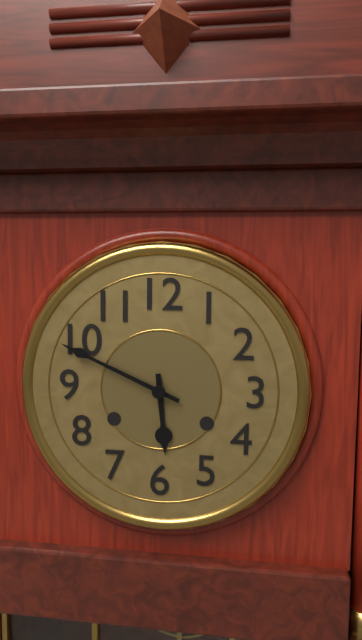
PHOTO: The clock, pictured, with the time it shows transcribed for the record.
5:49
